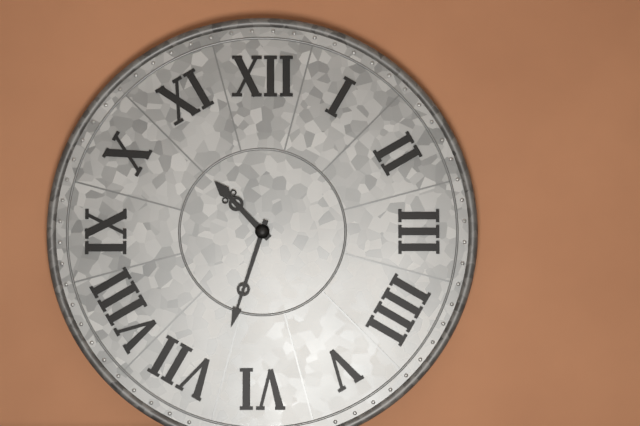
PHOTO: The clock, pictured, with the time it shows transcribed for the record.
10:33
